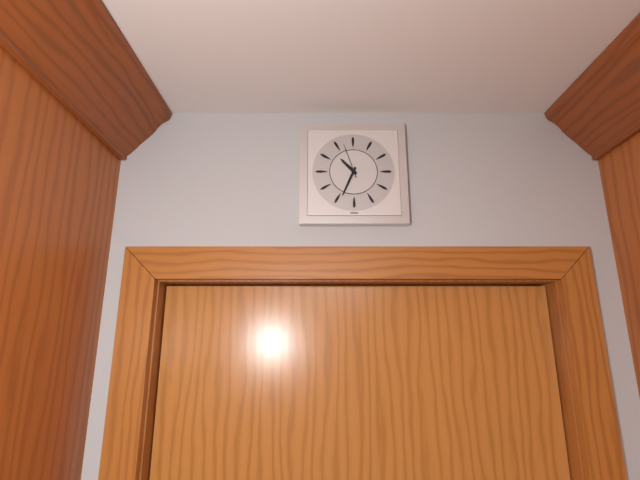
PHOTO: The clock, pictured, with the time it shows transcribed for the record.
10:34
